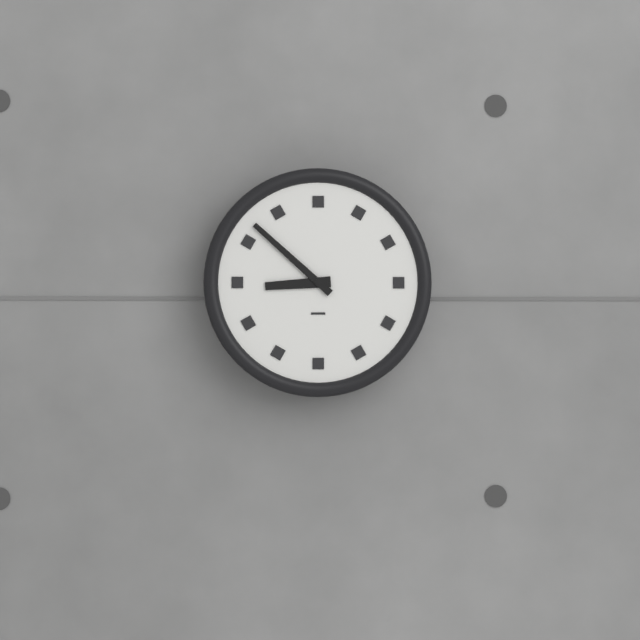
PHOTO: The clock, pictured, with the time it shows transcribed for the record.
8:52
